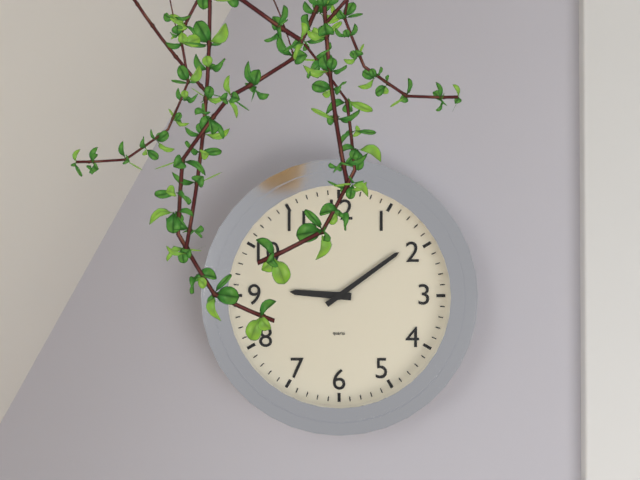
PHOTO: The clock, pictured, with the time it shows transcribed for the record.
9:09
